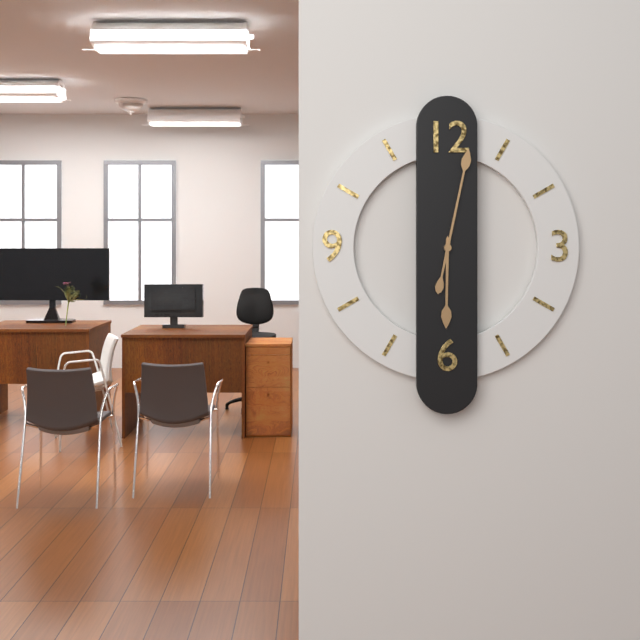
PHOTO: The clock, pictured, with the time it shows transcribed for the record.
6:02
